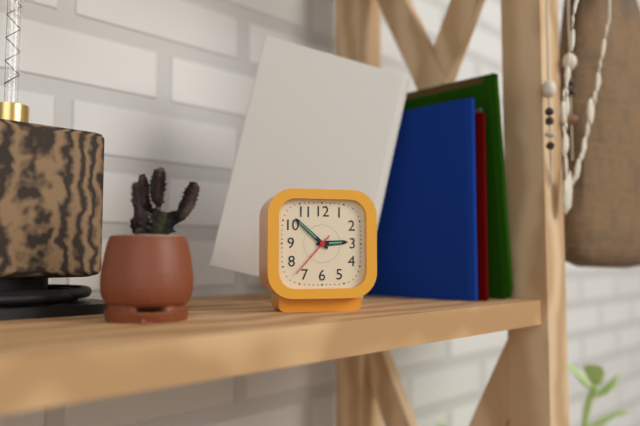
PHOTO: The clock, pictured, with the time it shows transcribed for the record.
2:52
